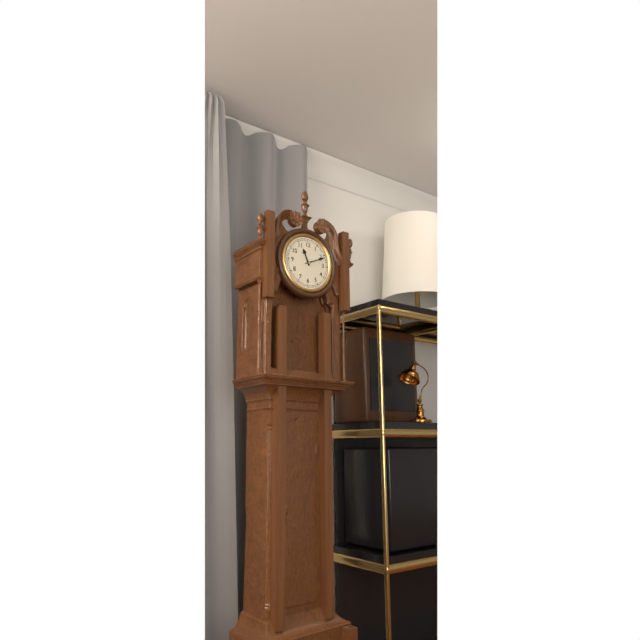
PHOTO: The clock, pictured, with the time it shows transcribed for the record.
11:11
